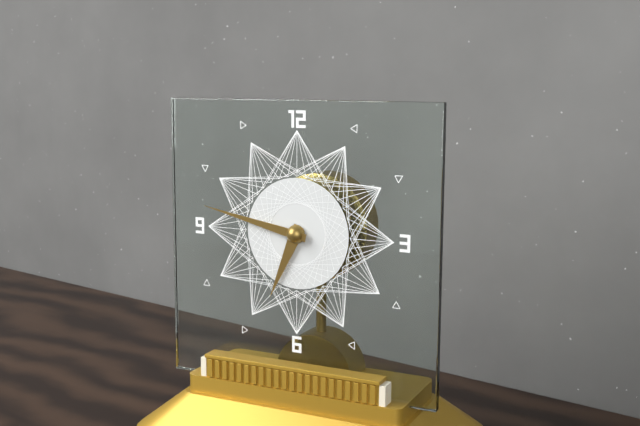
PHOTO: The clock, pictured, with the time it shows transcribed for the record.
6:47
